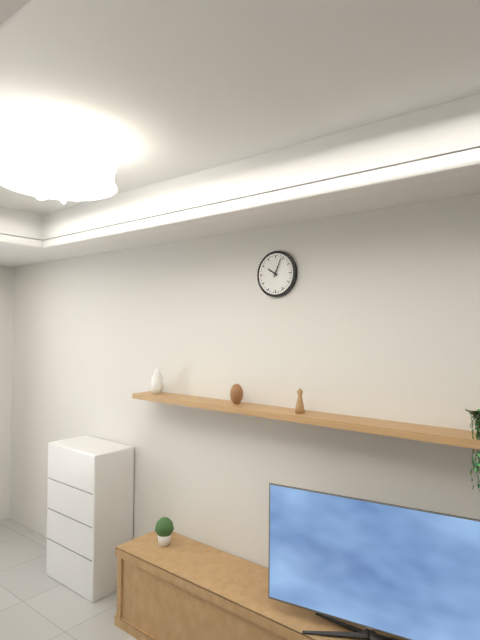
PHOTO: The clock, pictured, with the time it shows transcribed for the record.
10:04
